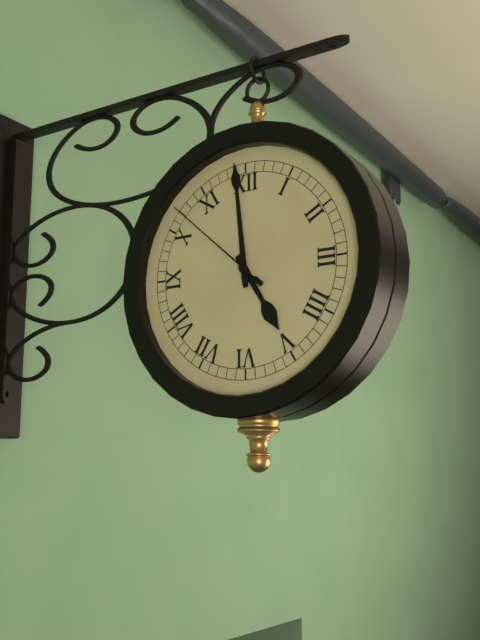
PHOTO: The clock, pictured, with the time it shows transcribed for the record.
4:59:52
